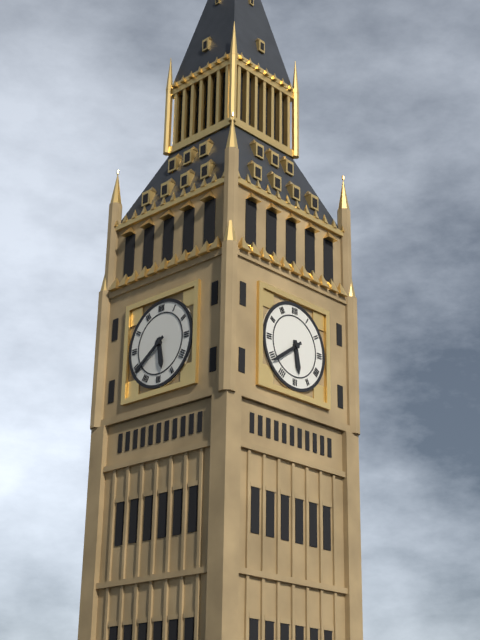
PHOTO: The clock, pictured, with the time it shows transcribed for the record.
5:39
